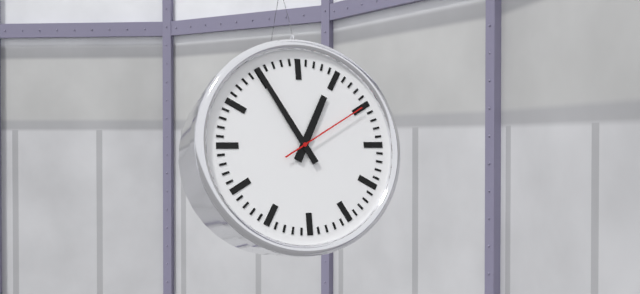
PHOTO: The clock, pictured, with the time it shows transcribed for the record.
12:55:10
